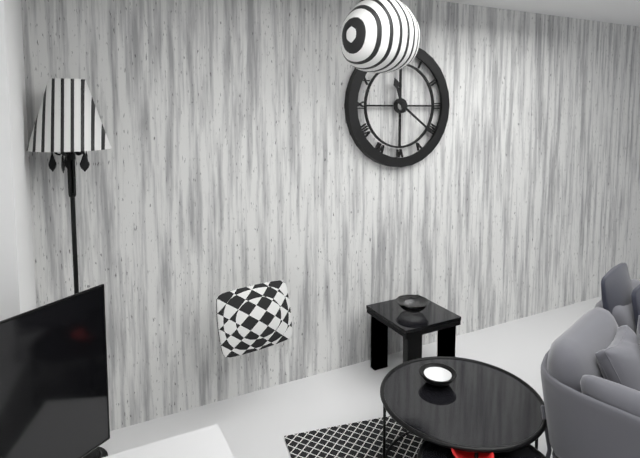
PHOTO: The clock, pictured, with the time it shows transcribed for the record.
11:21
